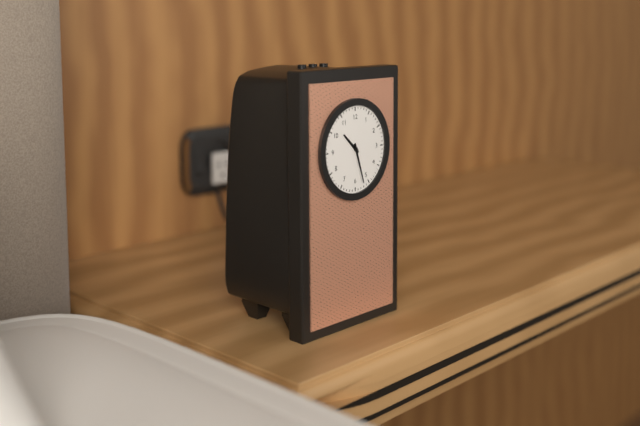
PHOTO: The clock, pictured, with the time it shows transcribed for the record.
10:27
